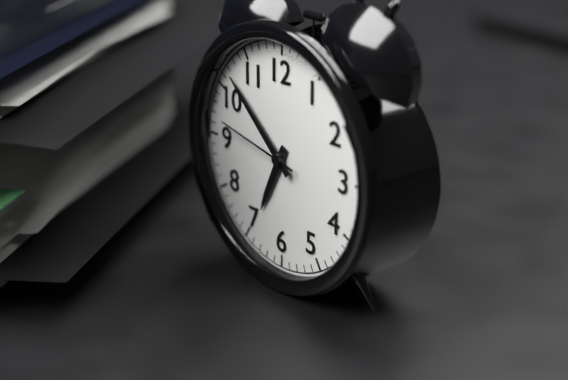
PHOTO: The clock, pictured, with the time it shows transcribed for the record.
6:52:47
